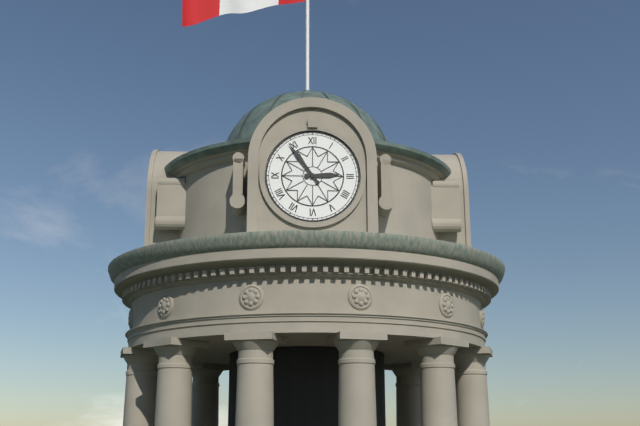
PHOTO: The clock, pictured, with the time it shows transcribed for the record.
2:54
